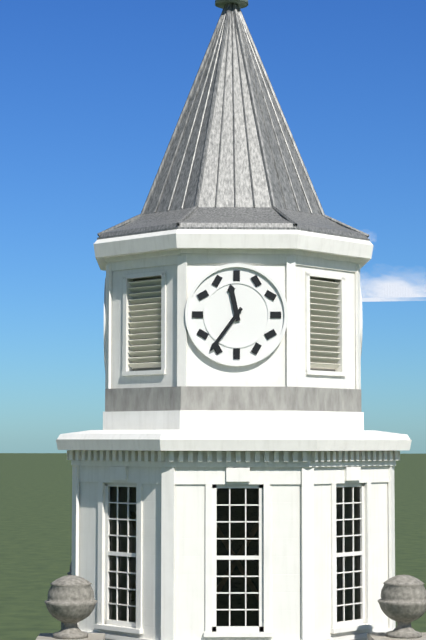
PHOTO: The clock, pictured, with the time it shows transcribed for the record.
11:36
